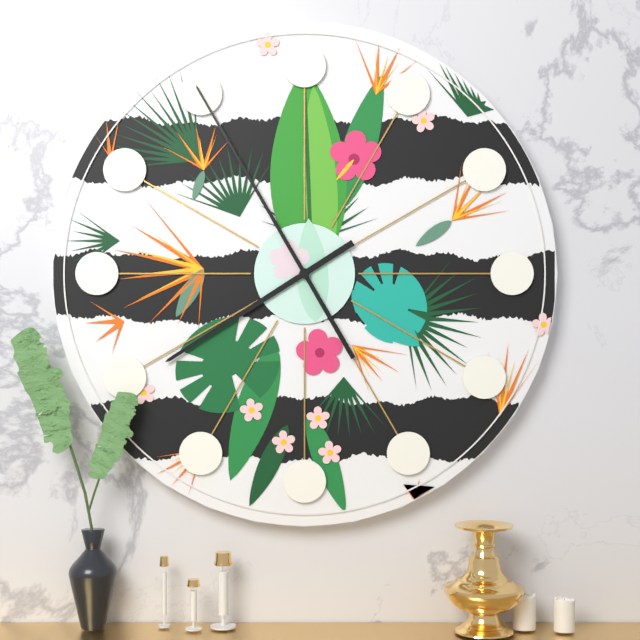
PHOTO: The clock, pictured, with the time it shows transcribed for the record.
7:55
